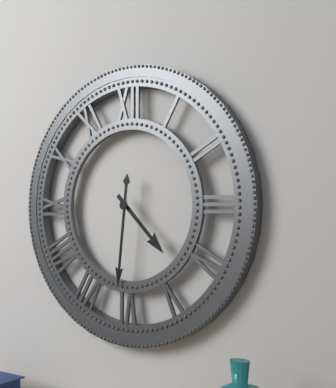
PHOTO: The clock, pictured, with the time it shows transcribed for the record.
4:31
